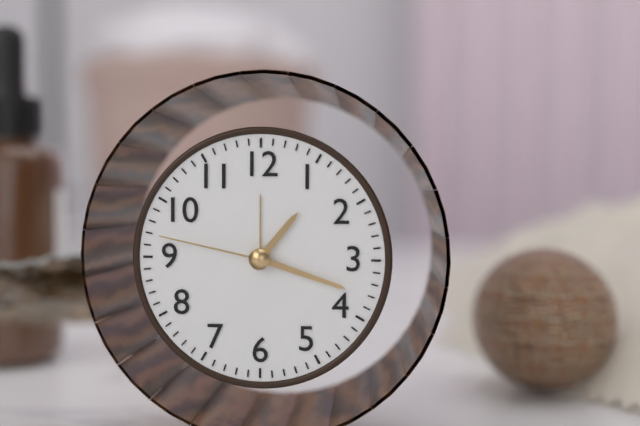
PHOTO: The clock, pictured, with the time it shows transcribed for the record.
1:18:47
